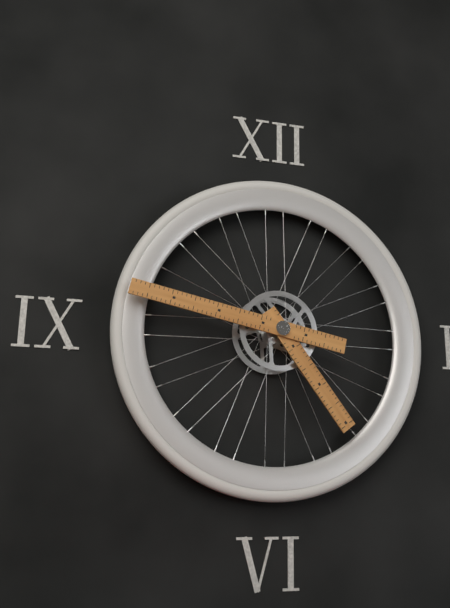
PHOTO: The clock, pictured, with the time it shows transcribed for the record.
4:47
